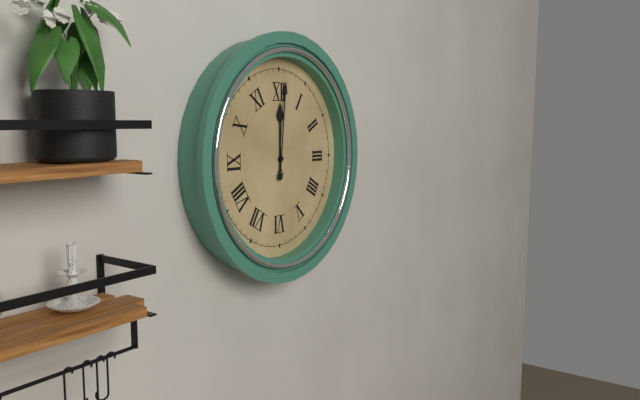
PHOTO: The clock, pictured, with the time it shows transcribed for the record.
12:01
